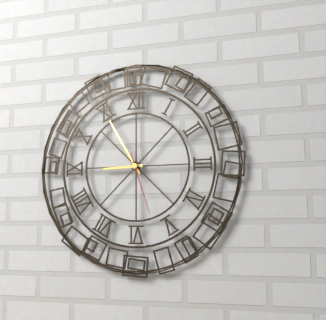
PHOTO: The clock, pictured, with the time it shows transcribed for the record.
8:55:27
